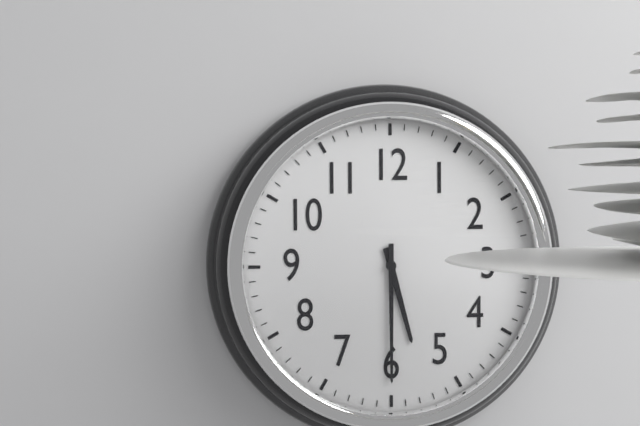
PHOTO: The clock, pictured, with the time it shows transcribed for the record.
5:30
